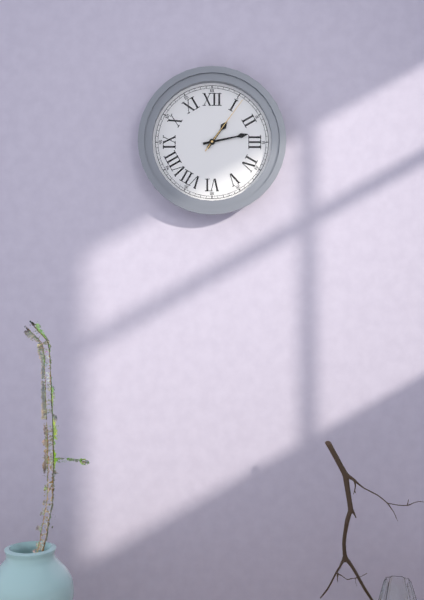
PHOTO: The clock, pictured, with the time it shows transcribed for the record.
1:13:06
